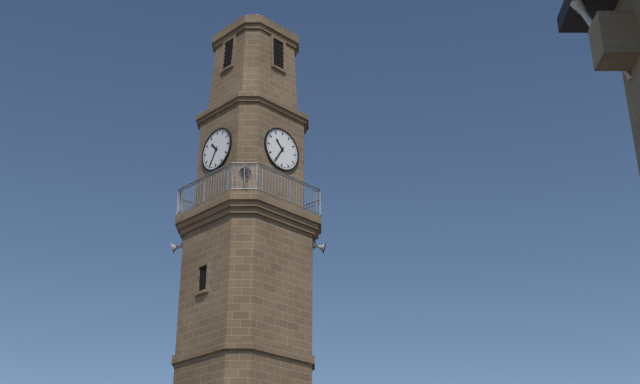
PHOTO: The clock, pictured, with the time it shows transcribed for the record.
10:35
